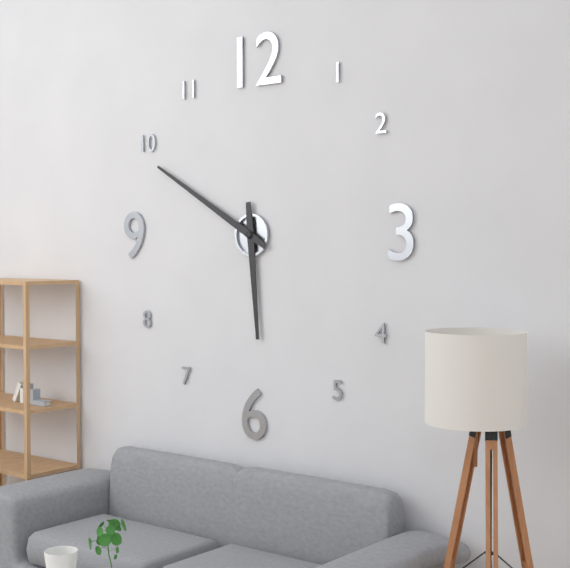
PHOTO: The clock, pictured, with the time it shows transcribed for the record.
5:50
